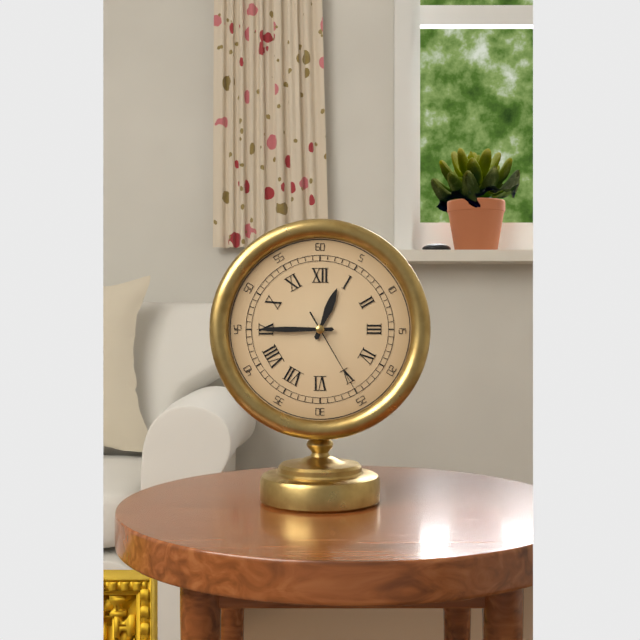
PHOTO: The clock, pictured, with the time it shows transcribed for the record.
12:45:25
